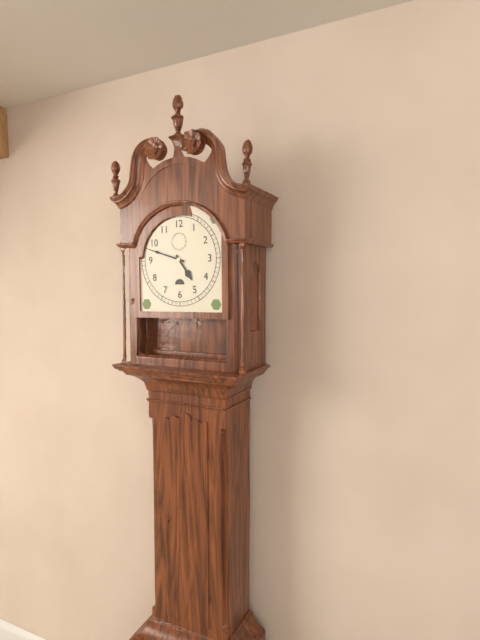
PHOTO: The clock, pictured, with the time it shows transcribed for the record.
4:48
